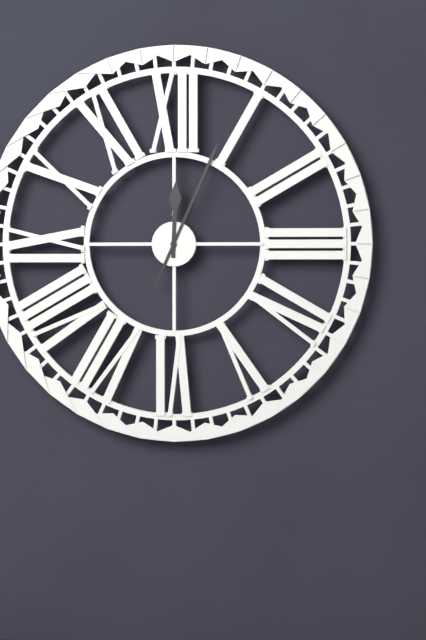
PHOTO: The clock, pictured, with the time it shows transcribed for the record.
12:04
